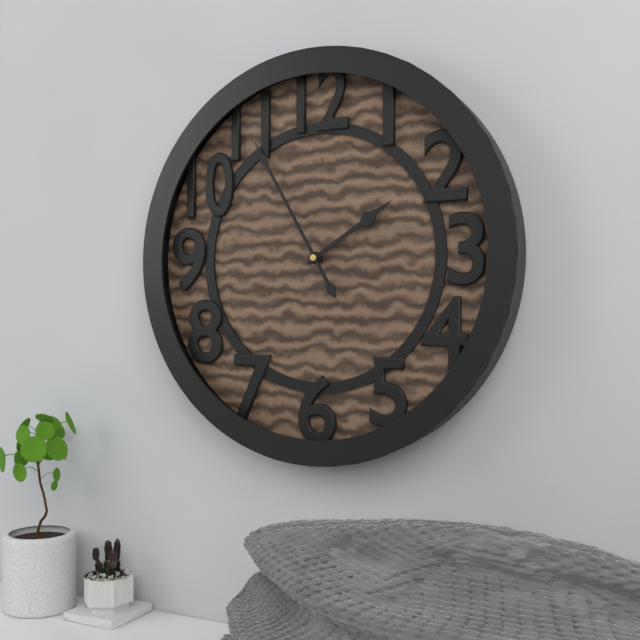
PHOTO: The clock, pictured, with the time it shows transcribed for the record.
1:55
